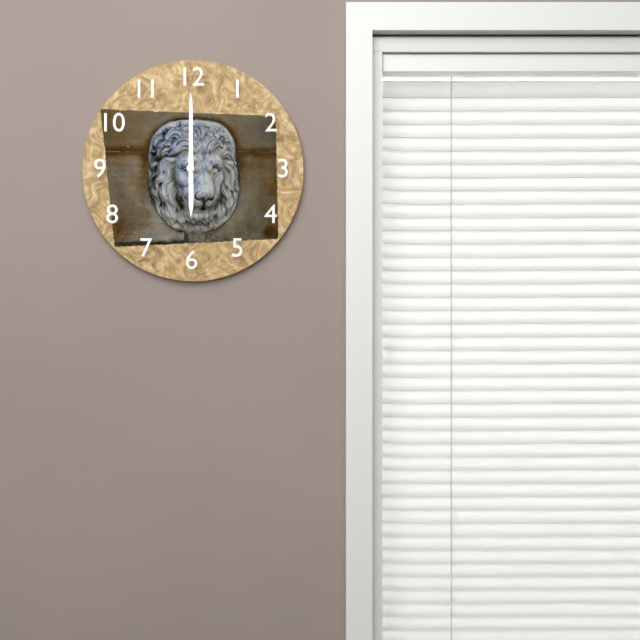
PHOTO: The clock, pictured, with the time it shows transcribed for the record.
6:00
